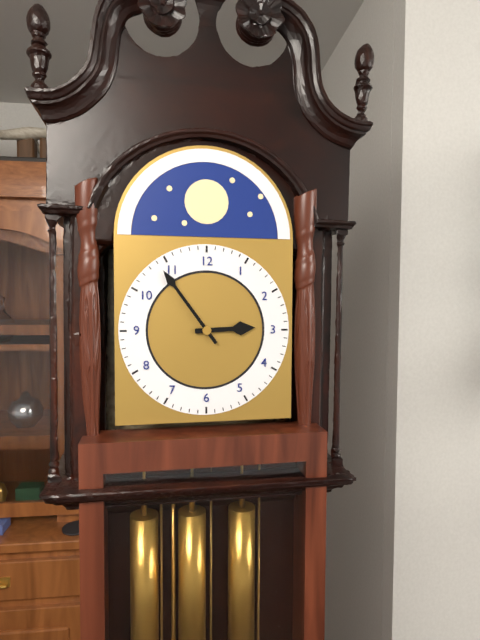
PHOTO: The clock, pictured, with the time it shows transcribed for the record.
2:54
